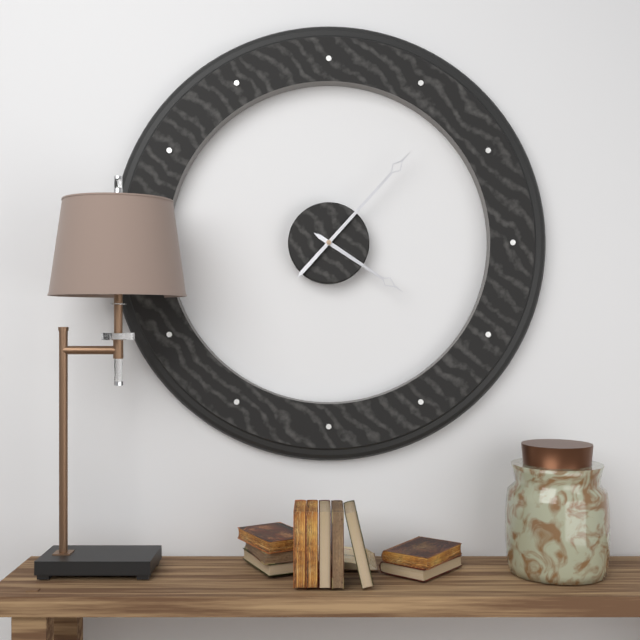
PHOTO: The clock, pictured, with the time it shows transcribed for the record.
4:07
